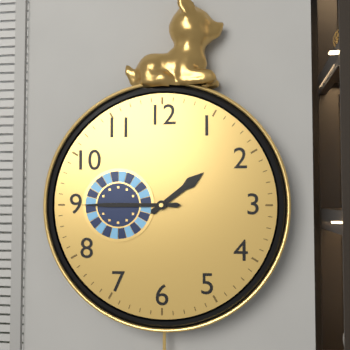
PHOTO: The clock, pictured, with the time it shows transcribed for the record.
1:45
